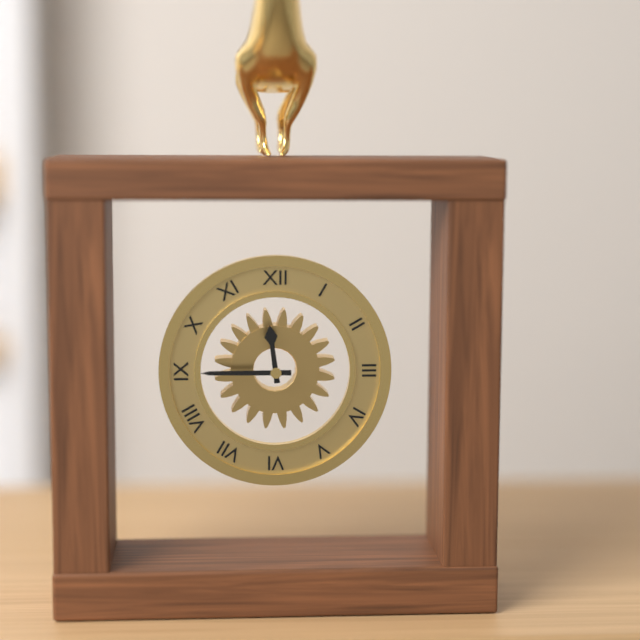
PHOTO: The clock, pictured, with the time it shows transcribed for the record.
11:45
